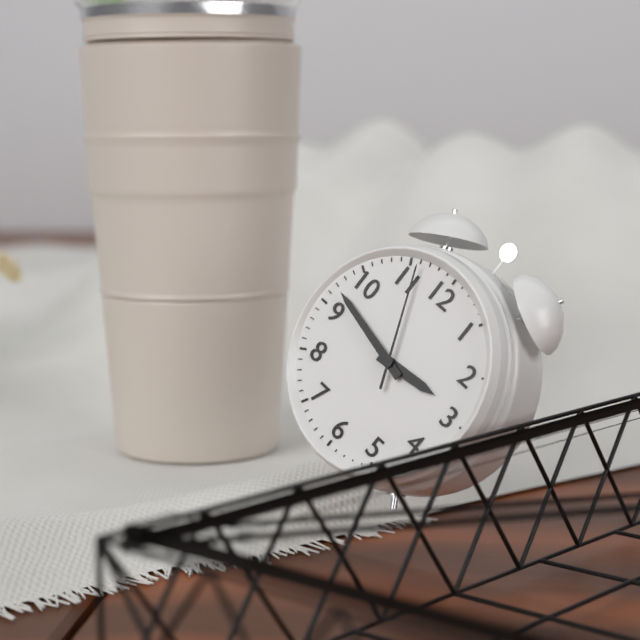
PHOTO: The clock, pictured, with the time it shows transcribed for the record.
2:47:56
